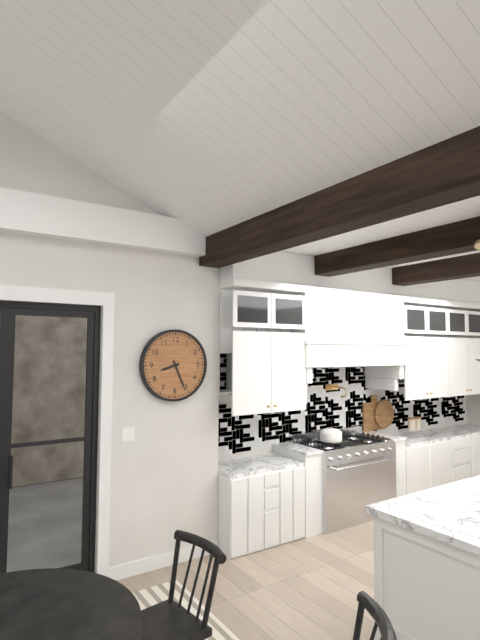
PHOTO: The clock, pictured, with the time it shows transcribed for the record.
8:26
